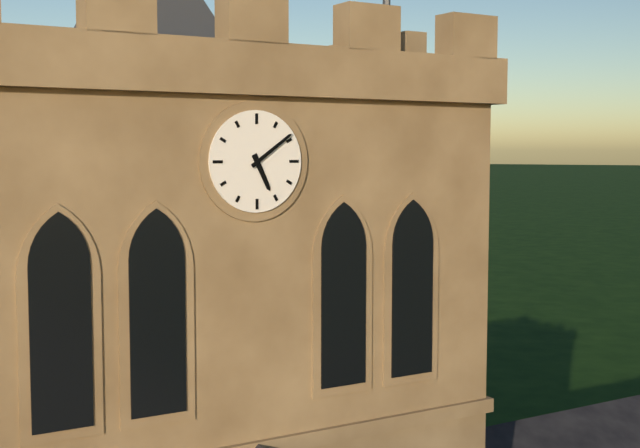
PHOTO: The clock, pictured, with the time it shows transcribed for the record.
5:09
